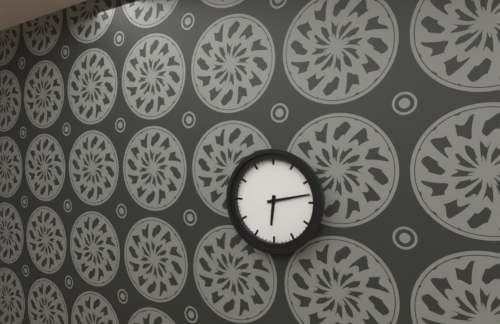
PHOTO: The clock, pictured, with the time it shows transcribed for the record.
6:13
